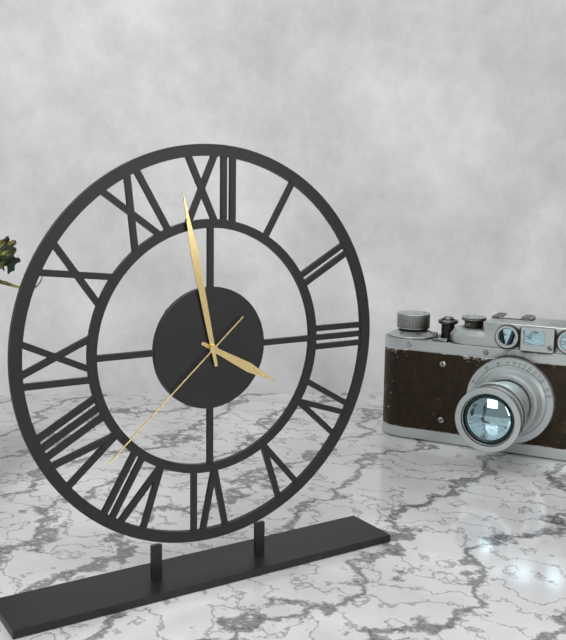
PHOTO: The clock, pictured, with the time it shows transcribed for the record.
3:58:38
